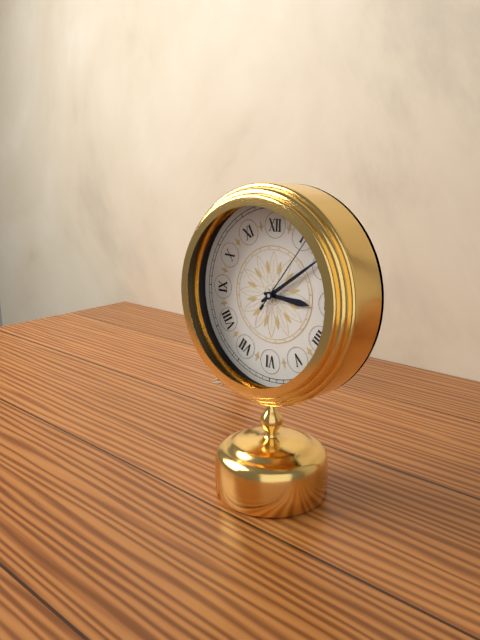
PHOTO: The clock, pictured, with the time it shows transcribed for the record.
3:09:06
